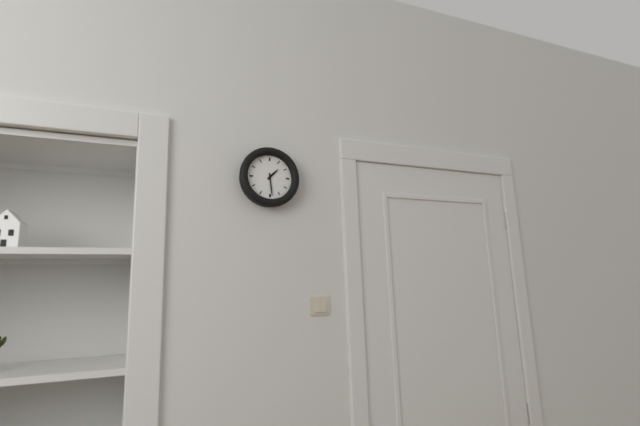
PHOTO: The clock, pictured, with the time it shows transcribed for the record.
1:29
